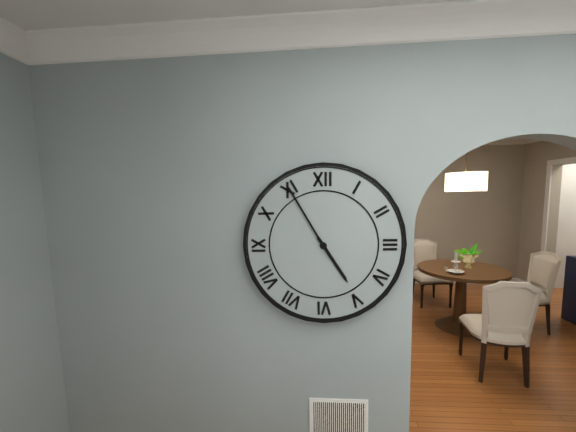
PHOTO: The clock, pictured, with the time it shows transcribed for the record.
4:55
